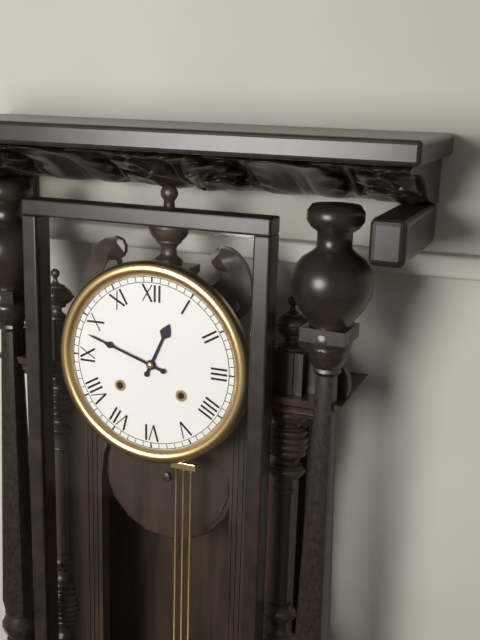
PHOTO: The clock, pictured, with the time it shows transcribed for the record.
12:48
